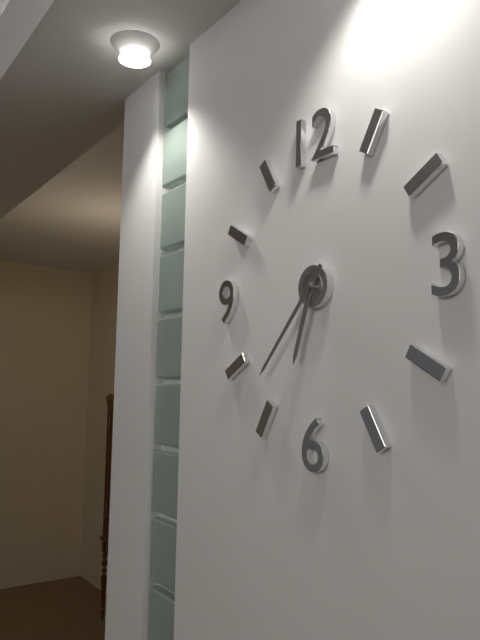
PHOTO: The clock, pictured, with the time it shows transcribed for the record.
6:37
